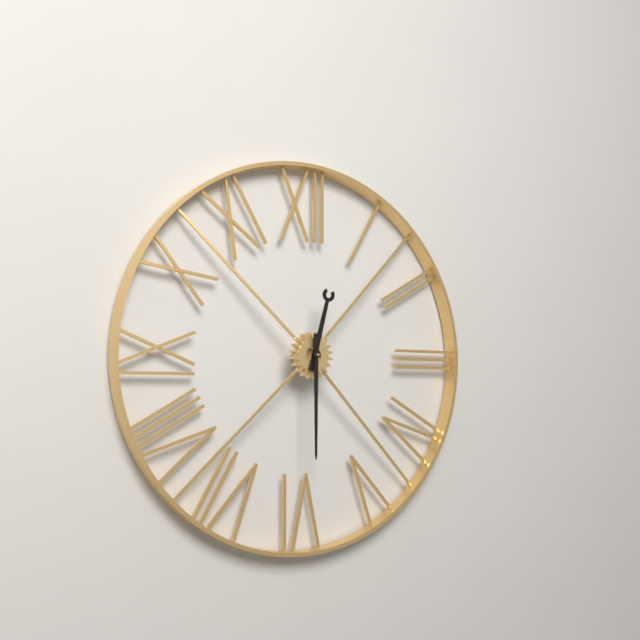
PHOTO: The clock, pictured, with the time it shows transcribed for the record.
12:30
